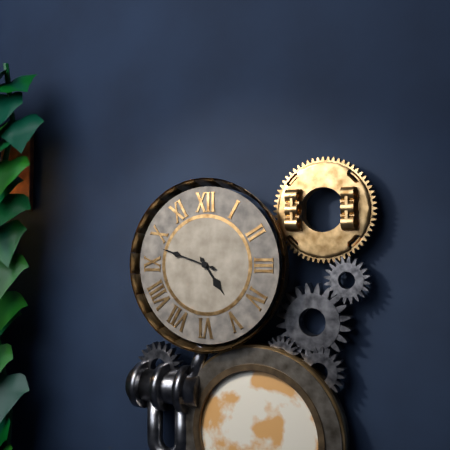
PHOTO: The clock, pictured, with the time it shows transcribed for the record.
4:48
